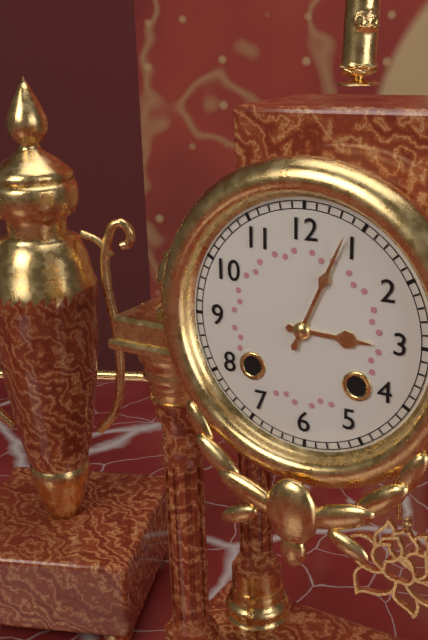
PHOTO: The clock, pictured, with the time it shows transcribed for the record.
3:04
